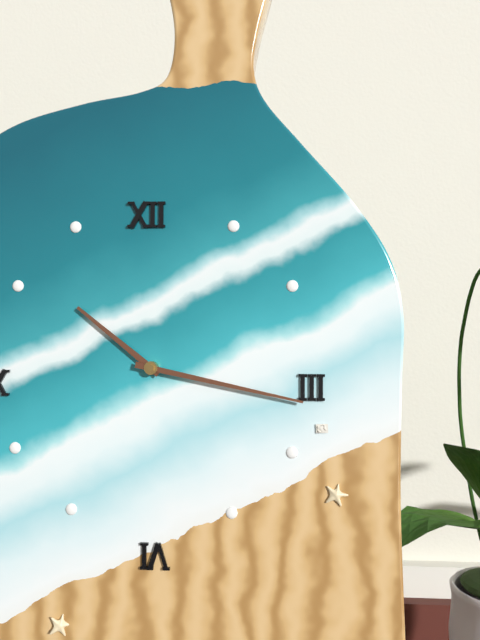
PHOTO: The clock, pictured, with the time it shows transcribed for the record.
10:17
